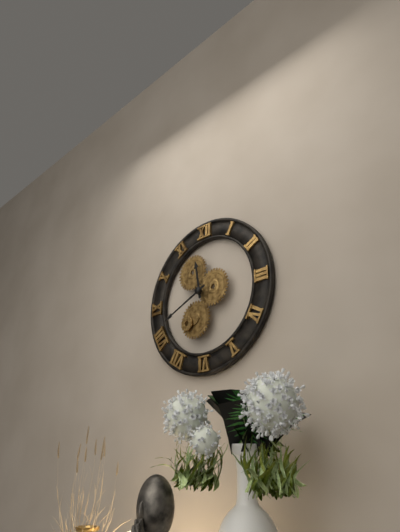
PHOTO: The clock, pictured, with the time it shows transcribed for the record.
11:41
